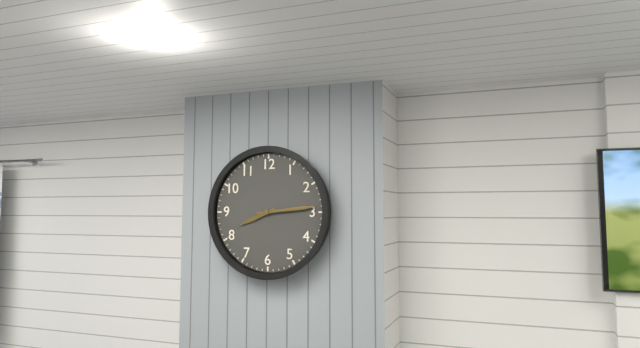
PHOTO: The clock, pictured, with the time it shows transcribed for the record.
8:14
